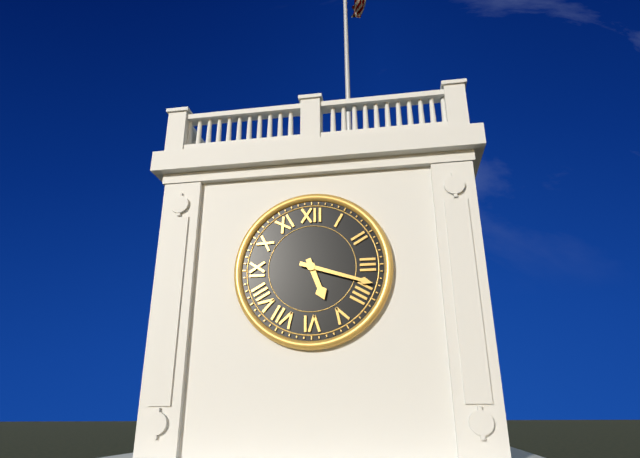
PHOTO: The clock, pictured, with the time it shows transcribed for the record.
5:18
